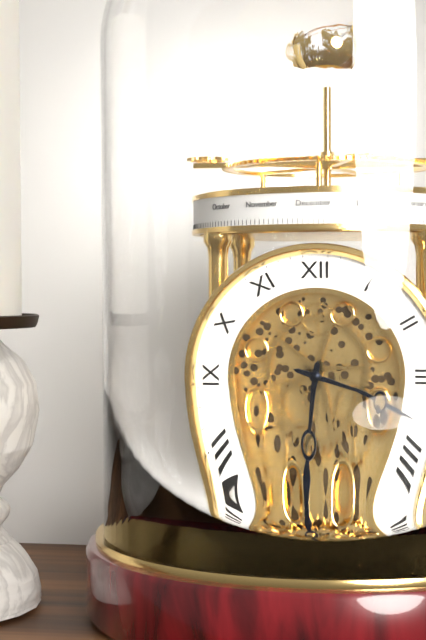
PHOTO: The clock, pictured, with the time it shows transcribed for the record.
6:18
